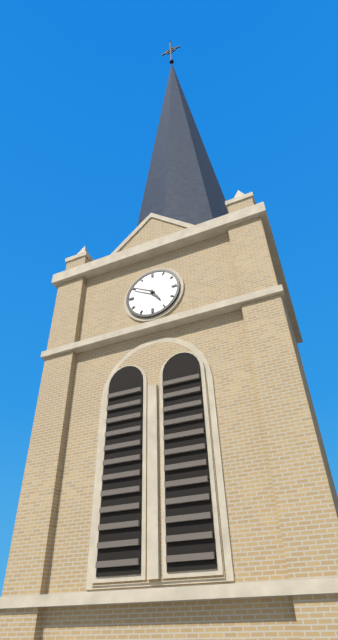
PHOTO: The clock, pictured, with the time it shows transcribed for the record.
4:50
